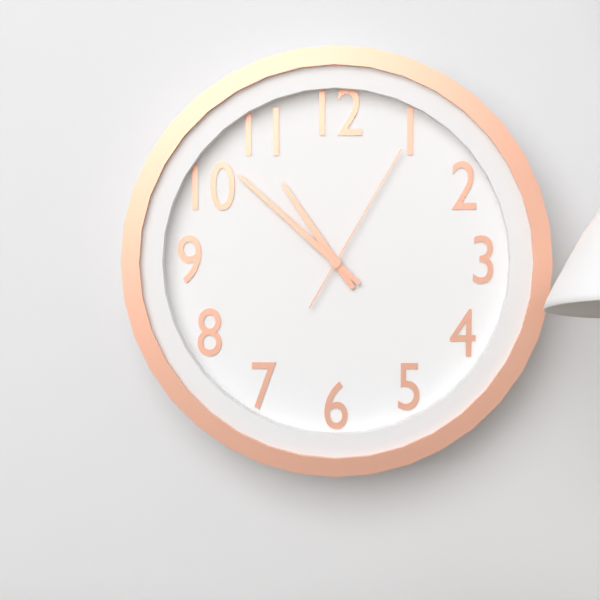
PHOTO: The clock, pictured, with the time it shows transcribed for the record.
10:52:05
